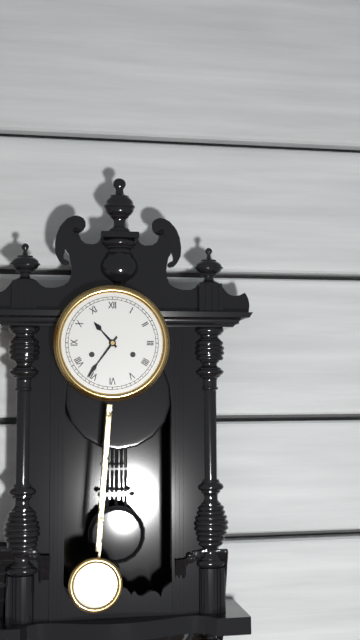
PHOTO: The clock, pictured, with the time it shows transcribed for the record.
10:36
